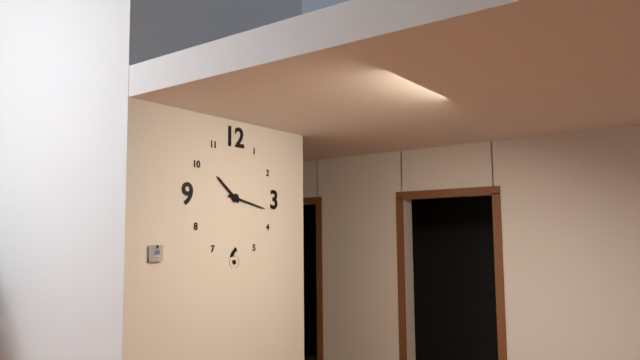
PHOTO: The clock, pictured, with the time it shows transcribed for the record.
10:17
